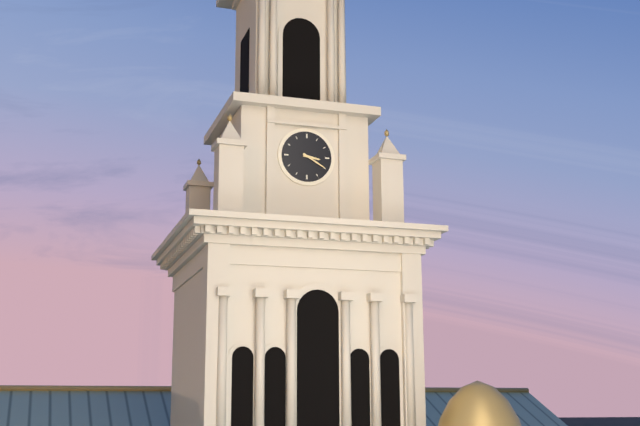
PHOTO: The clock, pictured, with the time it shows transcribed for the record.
3:20
